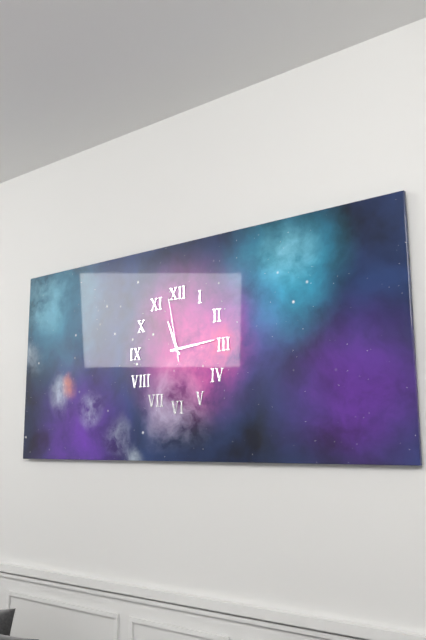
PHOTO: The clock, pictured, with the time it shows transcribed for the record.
11:14:58
